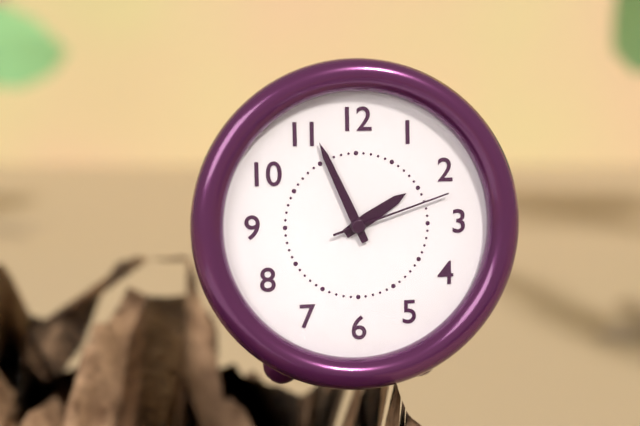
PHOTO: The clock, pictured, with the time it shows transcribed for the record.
1:56:12
